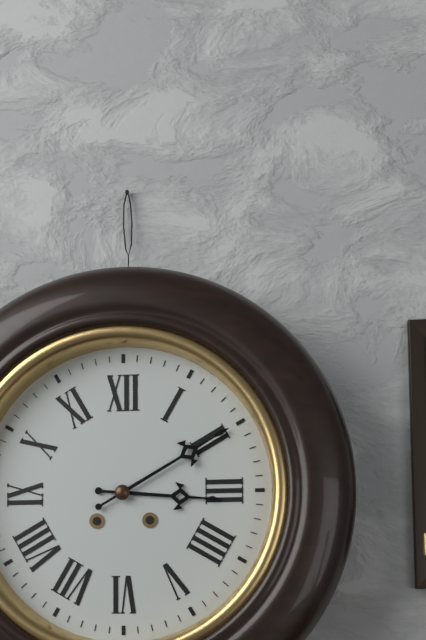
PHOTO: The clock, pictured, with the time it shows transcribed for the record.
3:10
